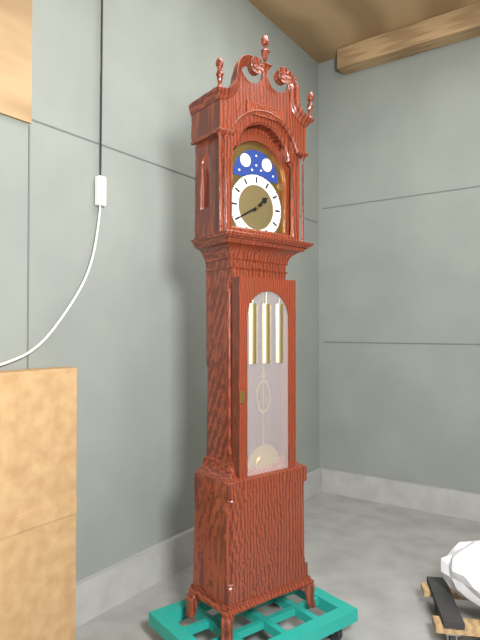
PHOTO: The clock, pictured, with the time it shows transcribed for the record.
1:40
